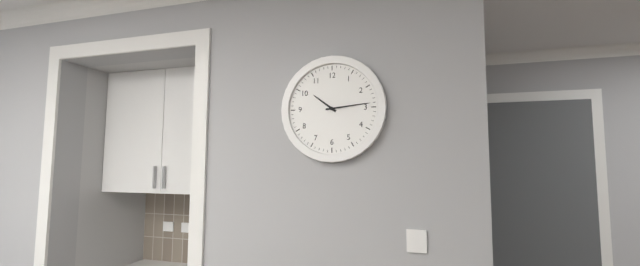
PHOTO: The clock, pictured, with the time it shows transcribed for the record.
10:14
